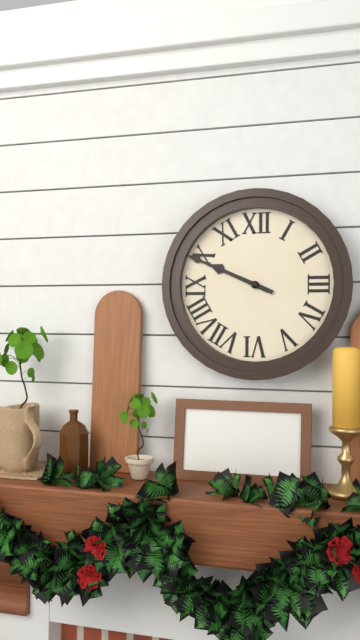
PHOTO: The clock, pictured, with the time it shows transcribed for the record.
9:49
